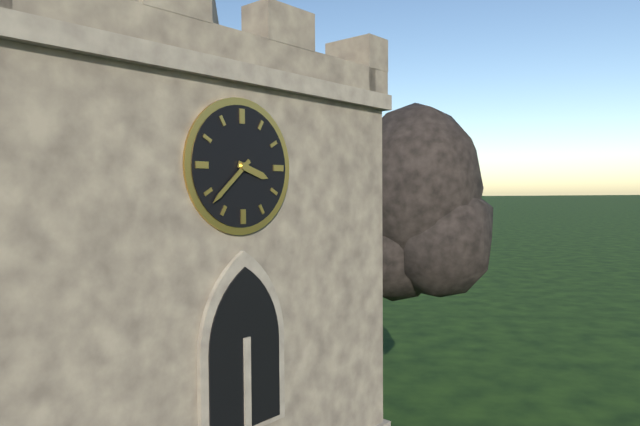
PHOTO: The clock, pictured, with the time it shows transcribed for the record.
3:38
